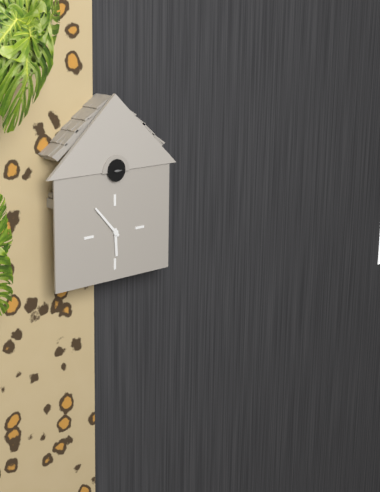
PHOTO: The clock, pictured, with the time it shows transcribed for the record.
5:53
